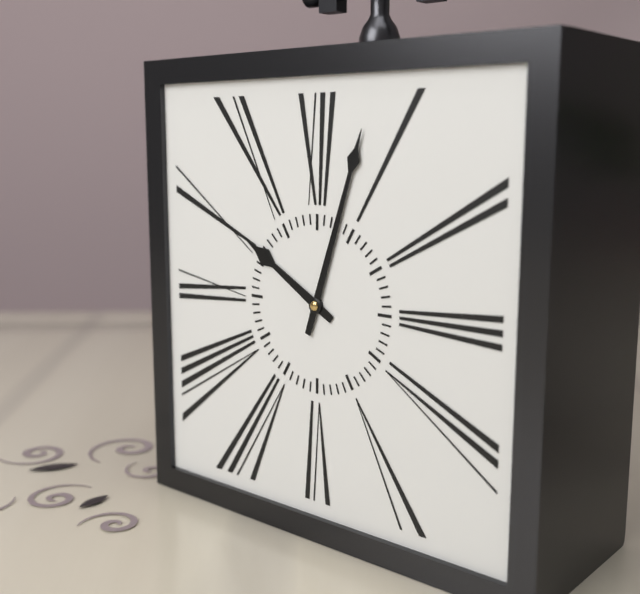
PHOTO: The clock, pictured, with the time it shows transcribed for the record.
10:03
